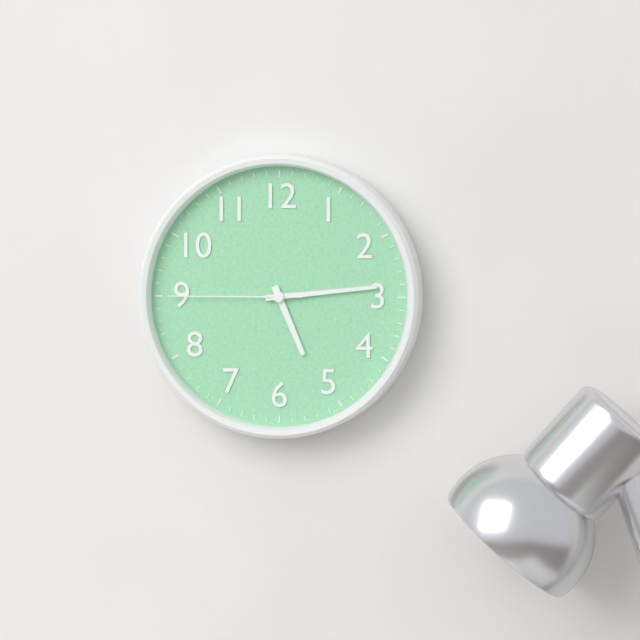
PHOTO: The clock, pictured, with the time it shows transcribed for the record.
5:14:45
